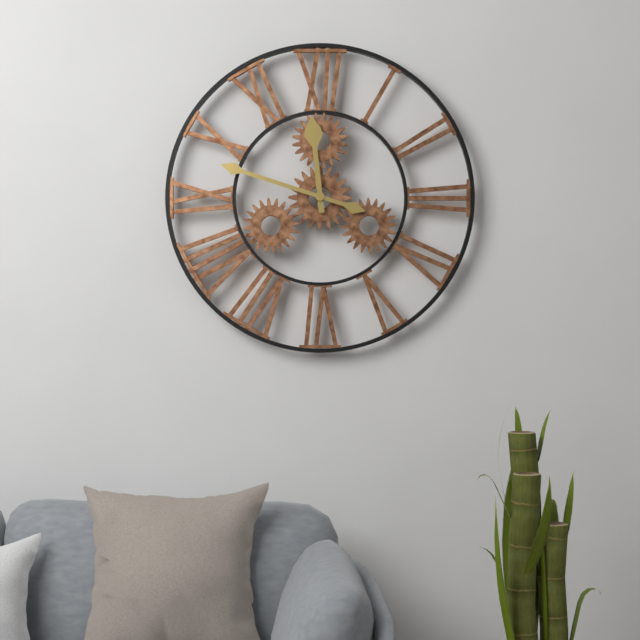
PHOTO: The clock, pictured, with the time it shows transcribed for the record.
11:48
